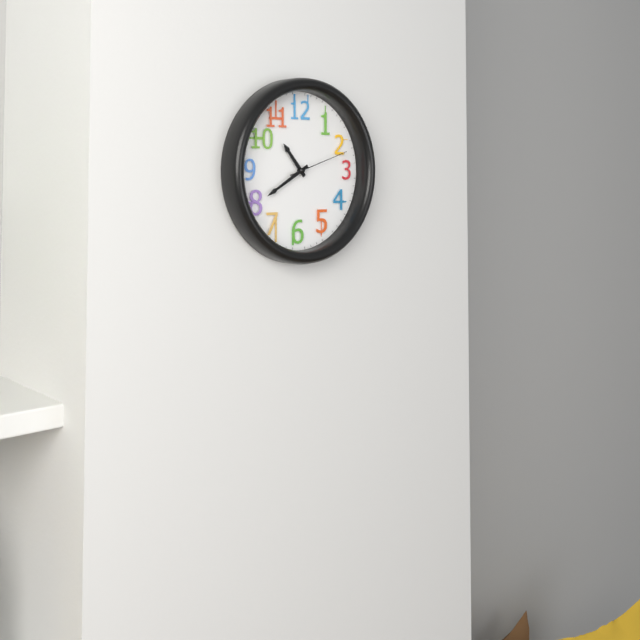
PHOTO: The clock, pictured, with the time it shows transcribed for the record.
10:40:12
